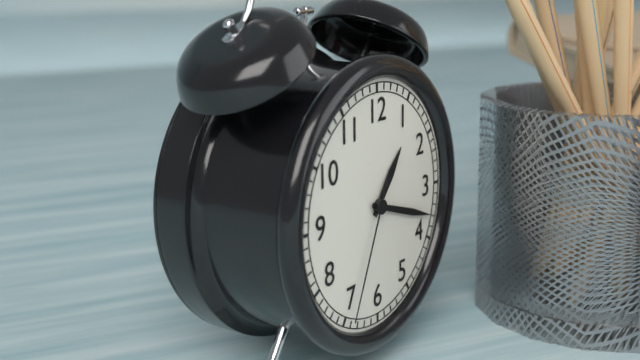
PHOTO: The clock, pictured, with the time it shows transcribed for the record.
1:18:34
